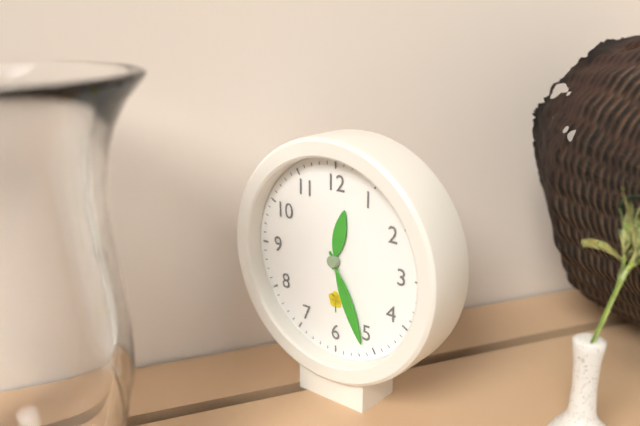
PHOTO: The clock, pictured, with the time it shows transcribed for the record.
12:26
